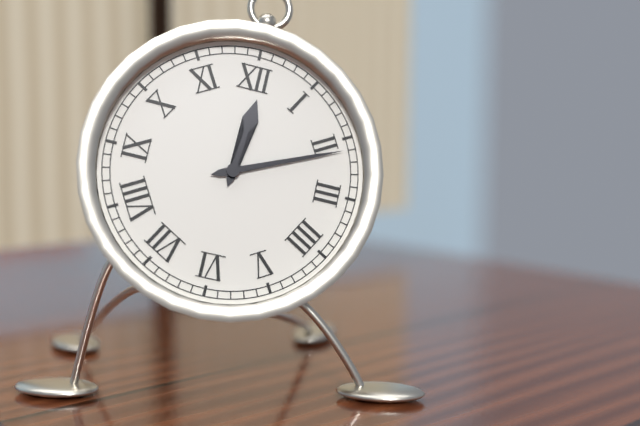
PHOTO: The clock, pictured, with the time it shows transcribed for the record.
12:11
